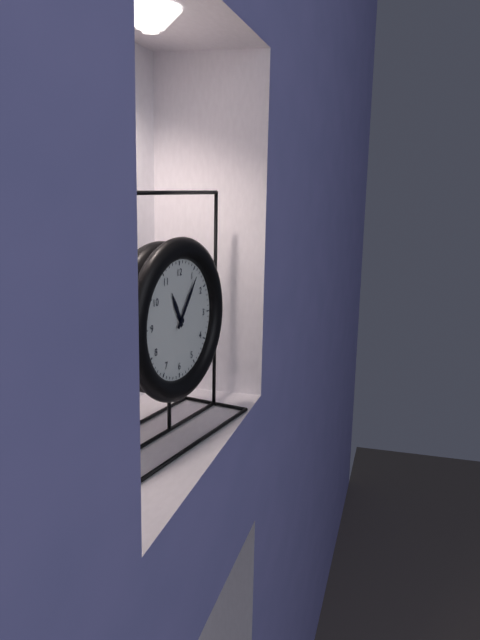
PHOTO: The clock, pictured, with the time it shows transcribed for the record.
11:06
